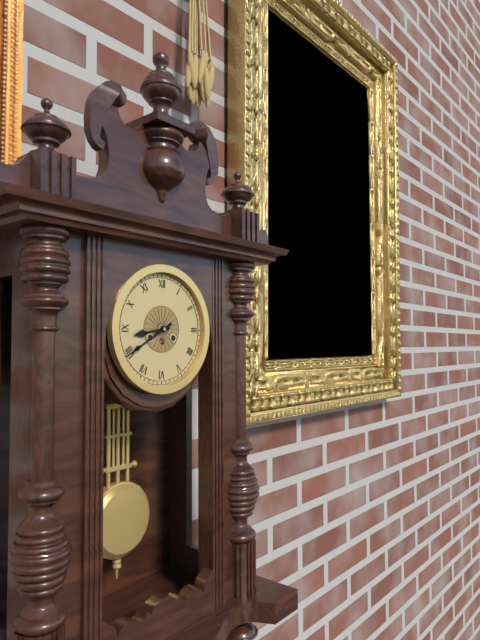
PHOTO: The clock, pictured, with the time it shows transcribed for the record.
8:40
